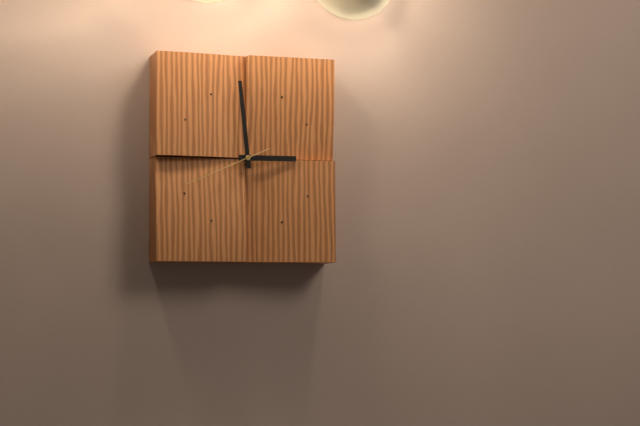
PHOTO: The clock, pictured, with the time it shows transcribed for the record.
2:59:41
